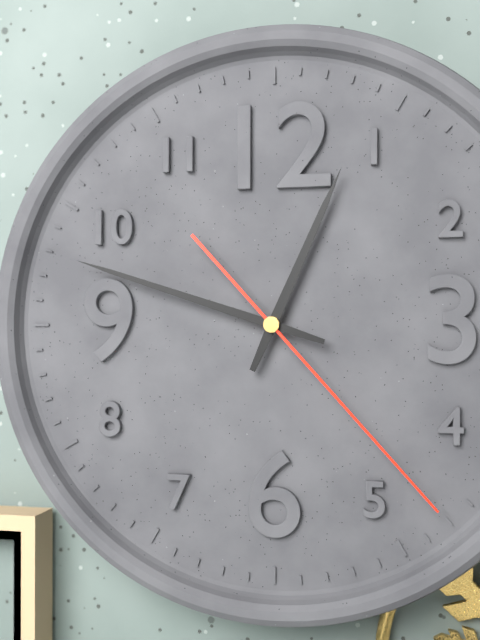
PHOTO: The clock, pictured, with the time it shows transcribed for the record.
12:48:23
